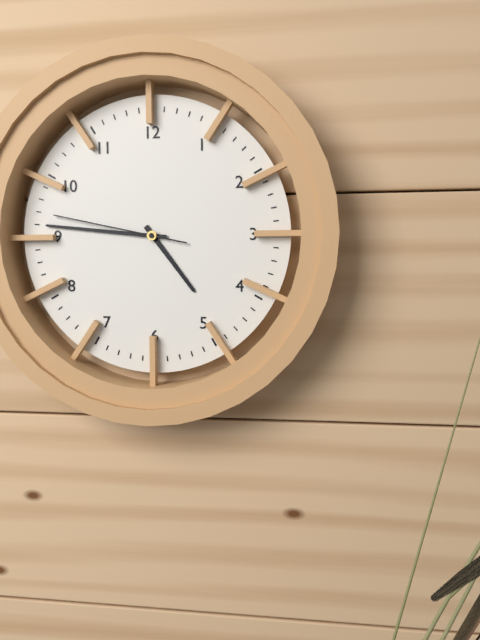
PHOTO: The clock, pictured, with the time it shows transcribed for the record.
4:46:47
